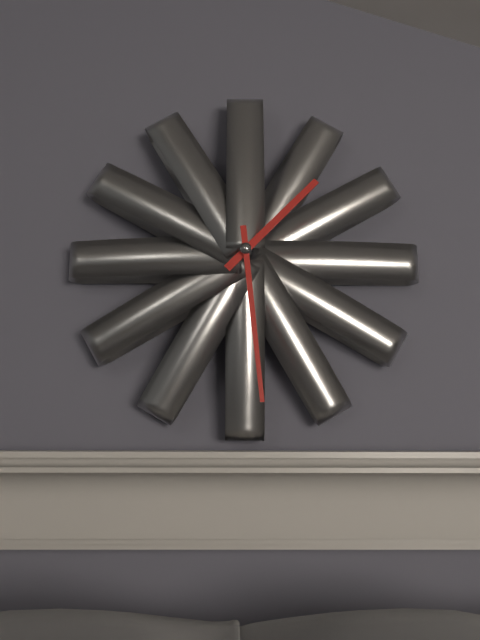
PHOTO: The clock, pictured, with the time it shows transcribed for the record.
1:29
